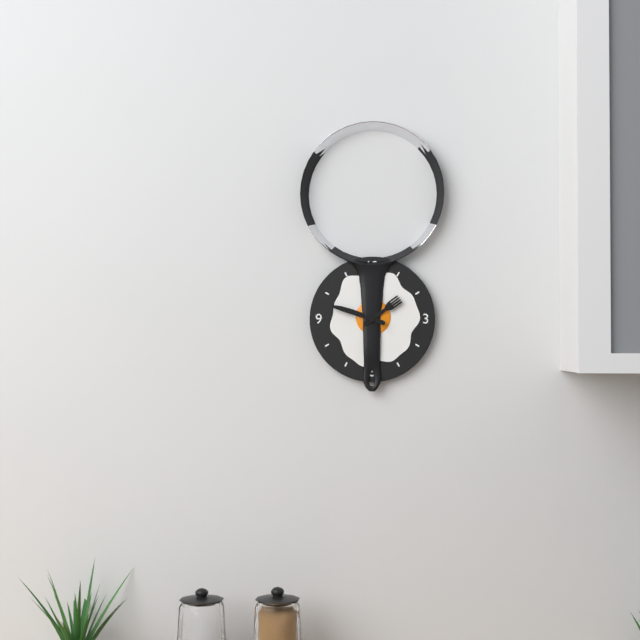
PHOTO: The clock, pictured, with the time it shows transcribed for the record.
1:48
